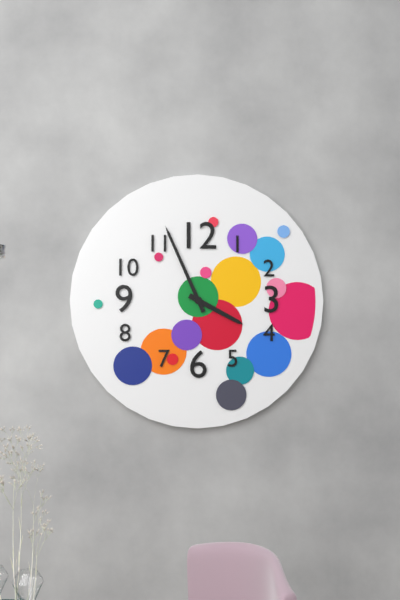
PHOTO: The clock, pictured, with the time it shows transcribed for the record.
3:56
